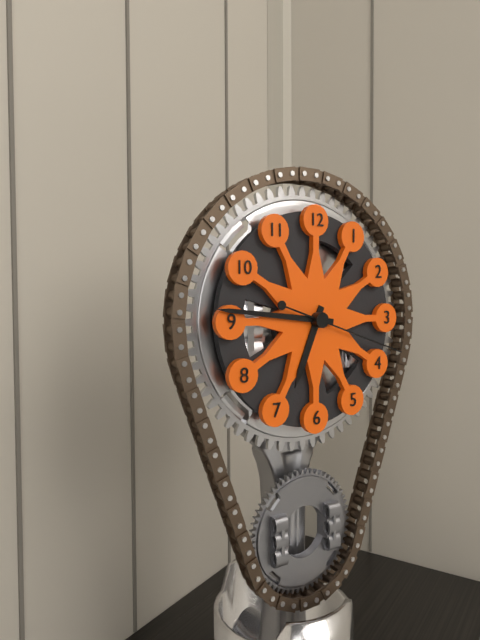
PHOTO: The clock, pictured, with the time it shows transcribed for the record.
6:46:18
